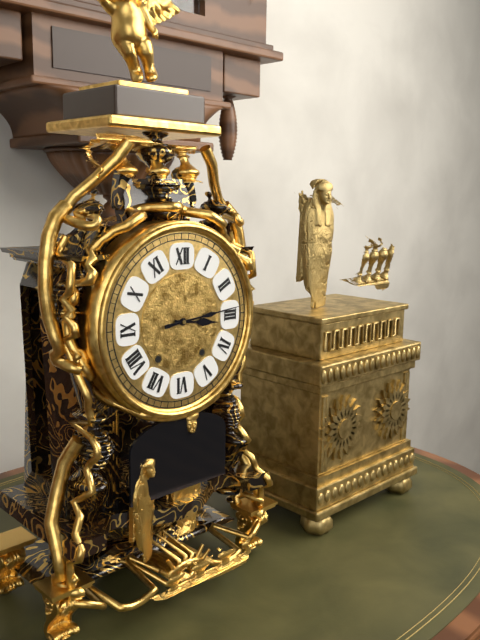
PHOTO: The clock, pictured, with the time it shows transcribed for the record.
3:14
